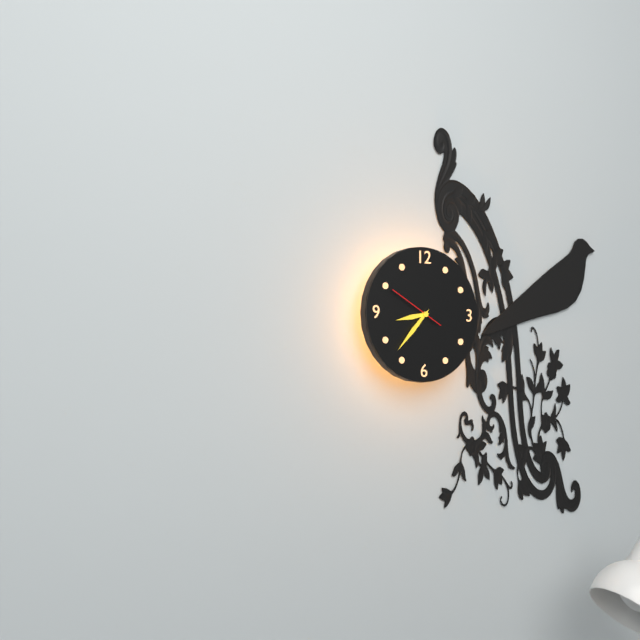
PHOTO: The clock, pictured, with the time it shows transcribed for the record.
8:37
